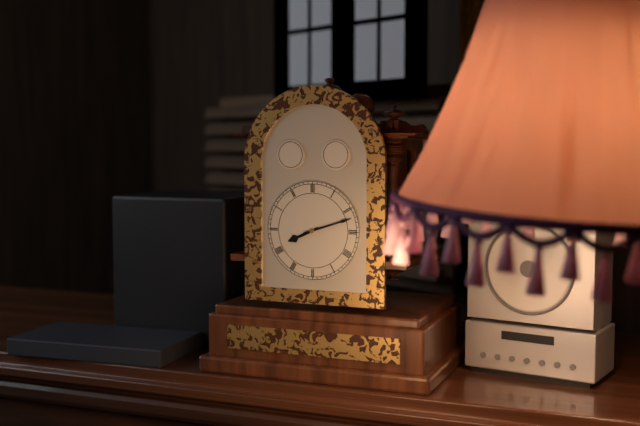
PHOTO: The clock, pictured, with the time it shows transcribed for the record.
8:12
